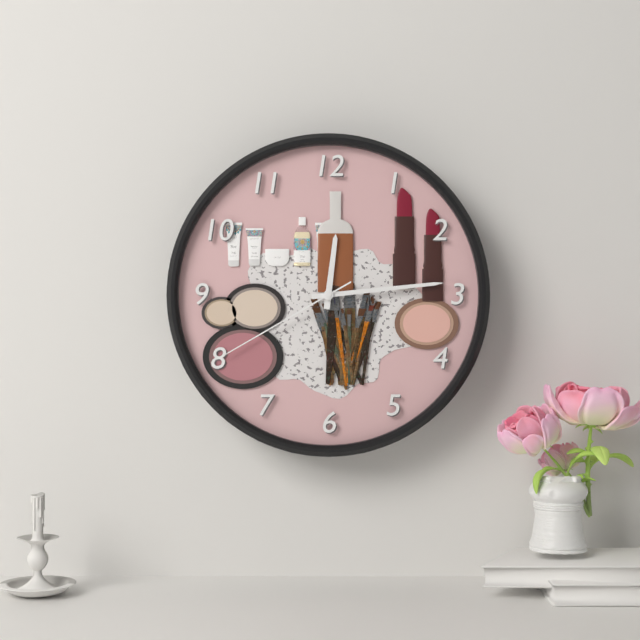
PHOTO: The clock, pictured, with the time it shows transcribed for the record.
12:14:40
